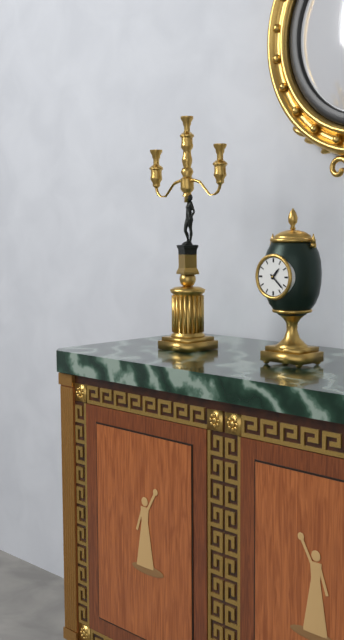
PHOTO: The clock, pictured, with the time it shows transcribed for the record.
1:22
